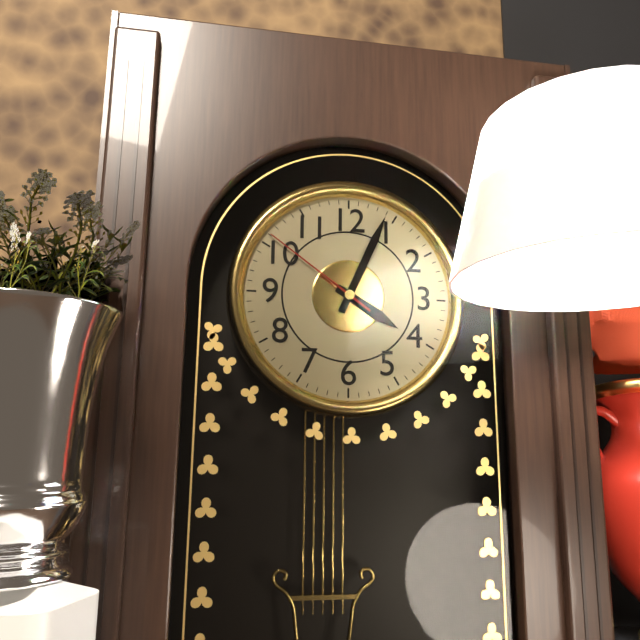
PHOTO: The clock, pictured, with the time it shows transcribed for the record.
4:04:51
